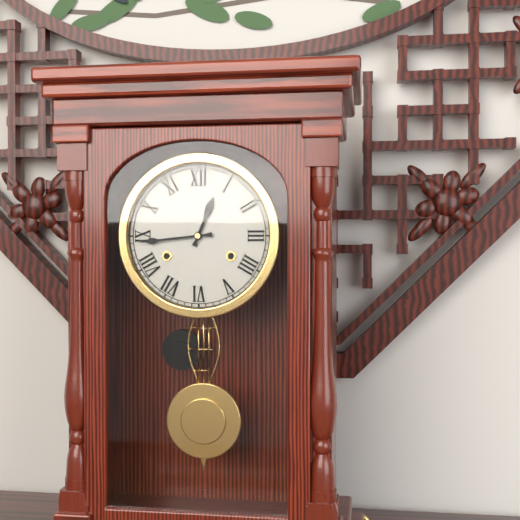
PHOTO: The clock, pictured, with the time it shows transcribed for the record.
12:44
